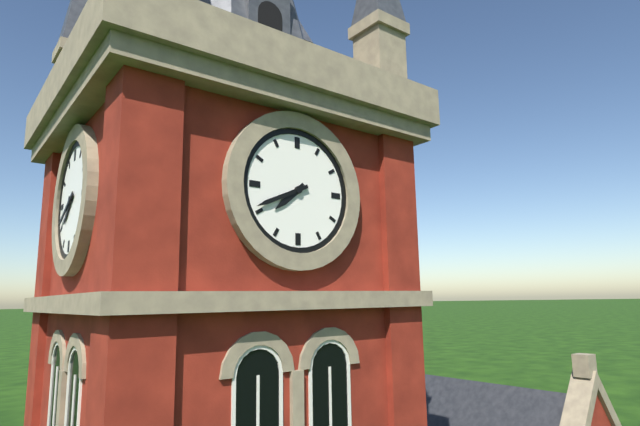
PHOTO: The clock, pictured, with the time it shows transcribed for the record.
7:41
